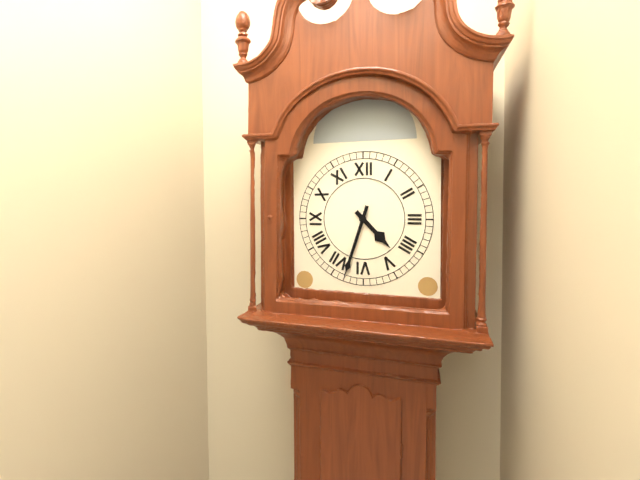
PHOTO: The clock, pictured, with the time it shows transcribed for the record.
4:33
